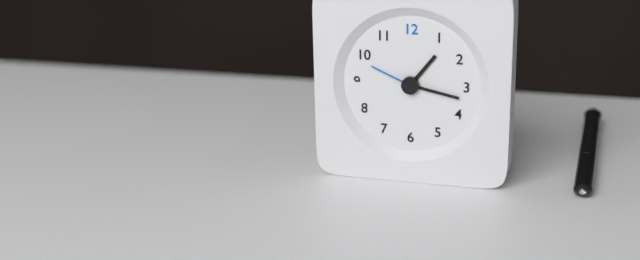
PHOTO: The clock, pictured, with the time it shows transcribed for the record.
1:17:49
